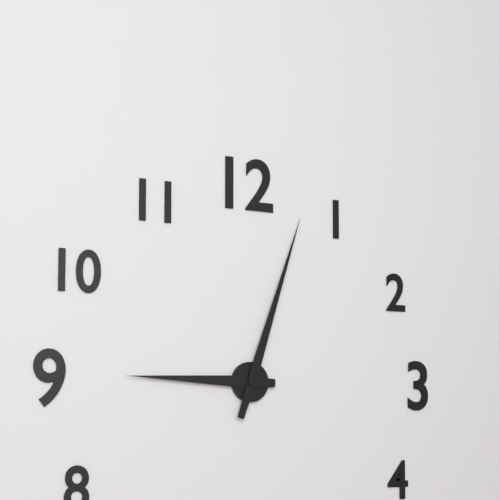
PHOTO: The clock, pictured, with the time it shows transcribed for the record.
9:03
